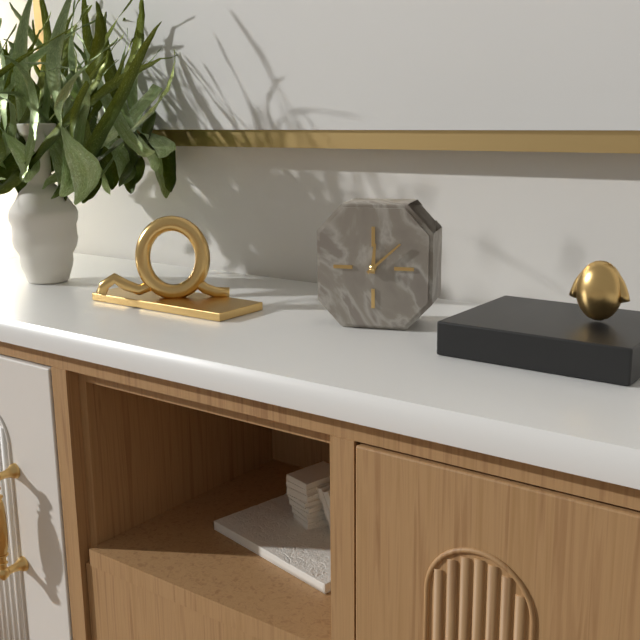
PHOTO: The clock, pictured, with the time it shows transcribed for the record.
12:08
